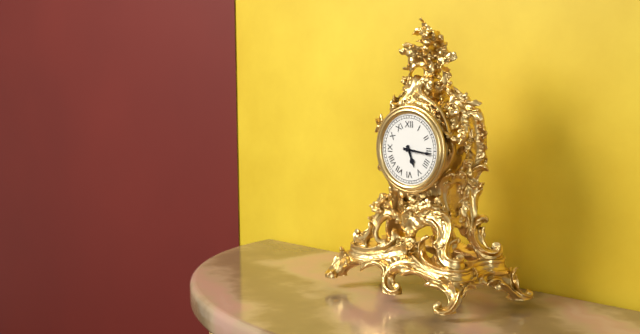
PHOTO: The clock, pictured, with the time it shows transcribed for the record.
5:16
